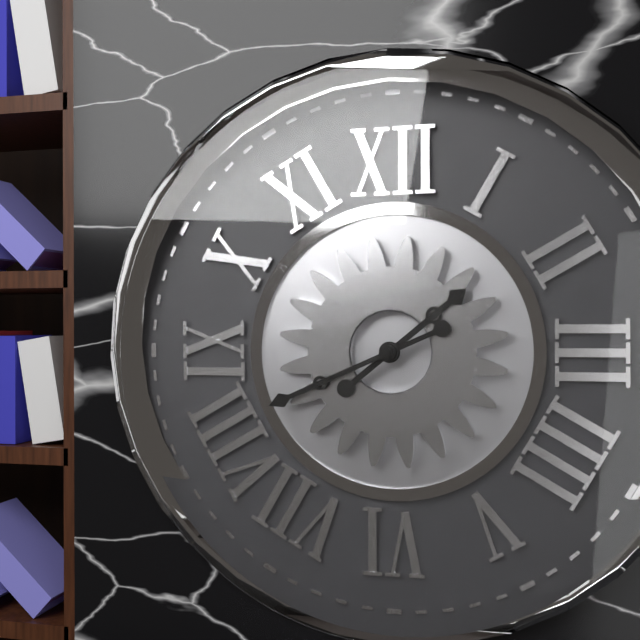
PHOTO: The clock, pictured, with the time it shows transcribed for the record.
1:41
